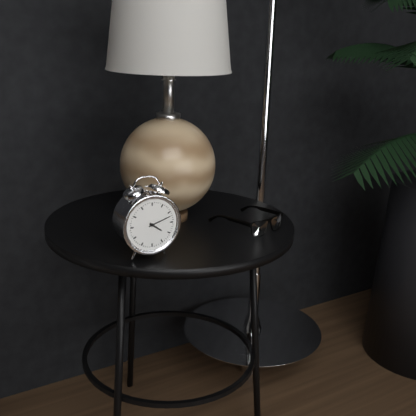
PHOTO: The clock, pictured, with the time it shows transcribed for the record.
4:12
